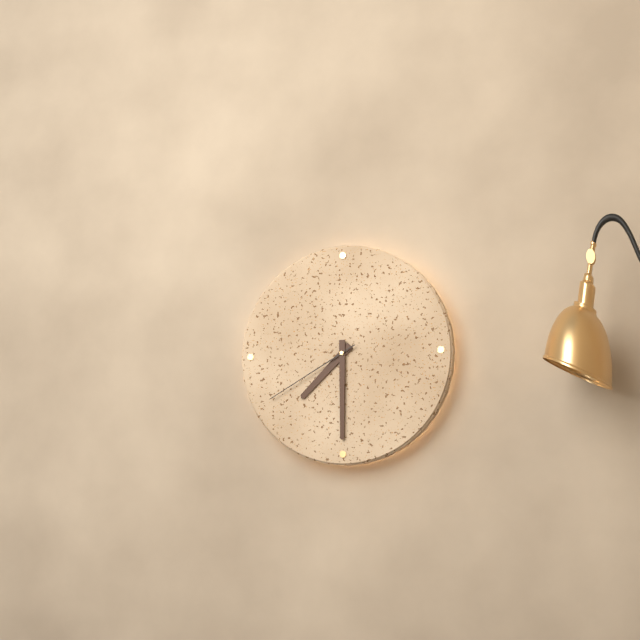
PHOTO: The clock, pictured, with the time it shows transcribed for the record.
7:30:40
